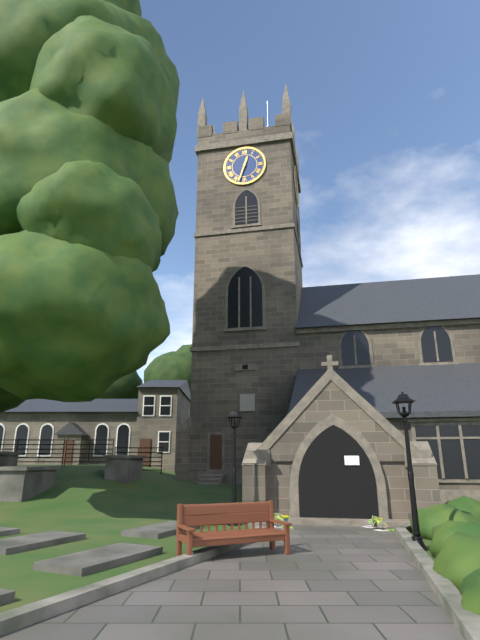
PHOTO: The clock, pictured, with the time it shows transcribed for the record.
12:33
